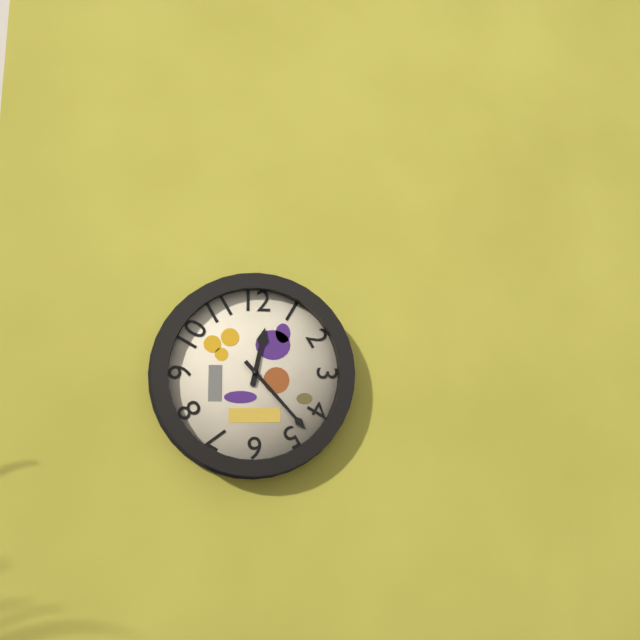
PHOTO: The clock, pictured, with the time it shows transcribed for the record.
12:23
